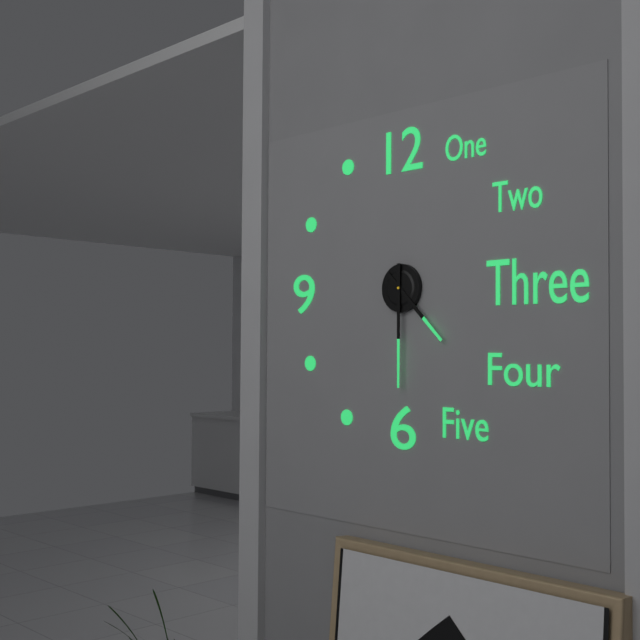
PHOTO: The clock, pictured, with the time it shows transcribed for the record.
4:30
